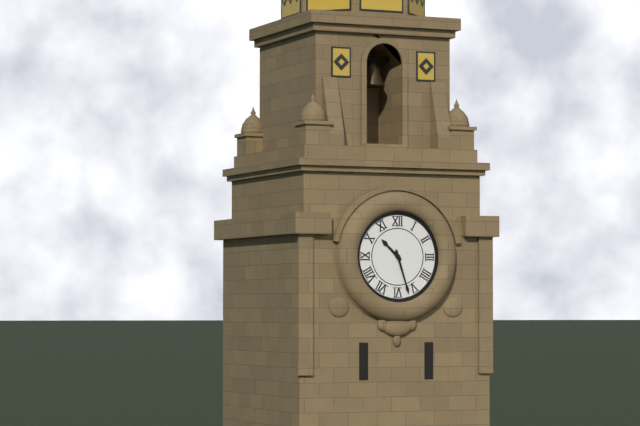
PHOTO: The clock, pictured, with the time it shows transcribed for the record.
10:27
